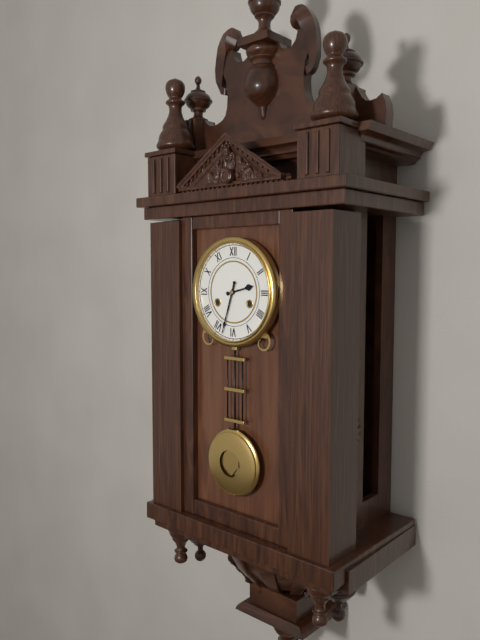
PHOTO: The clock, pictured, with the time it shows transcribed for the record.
2:33
